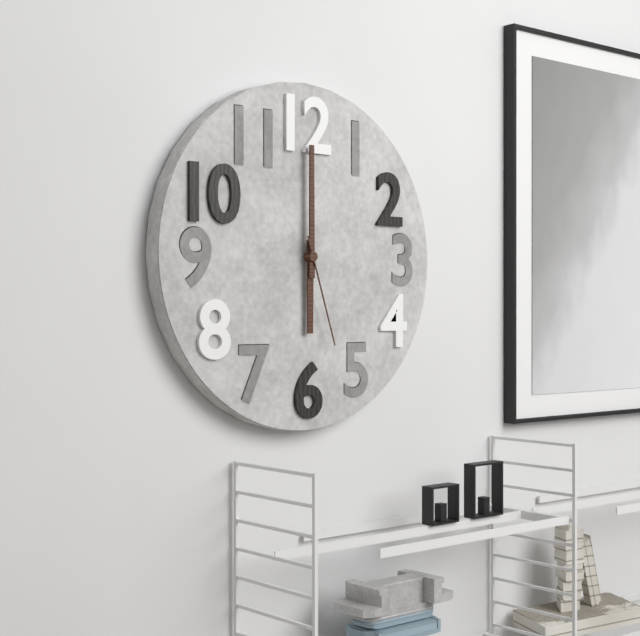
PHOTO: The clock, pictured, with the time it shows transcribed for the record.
6:00:27
